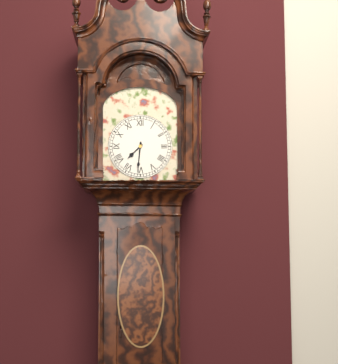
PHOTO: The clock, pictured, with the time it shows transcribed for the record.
7:31
